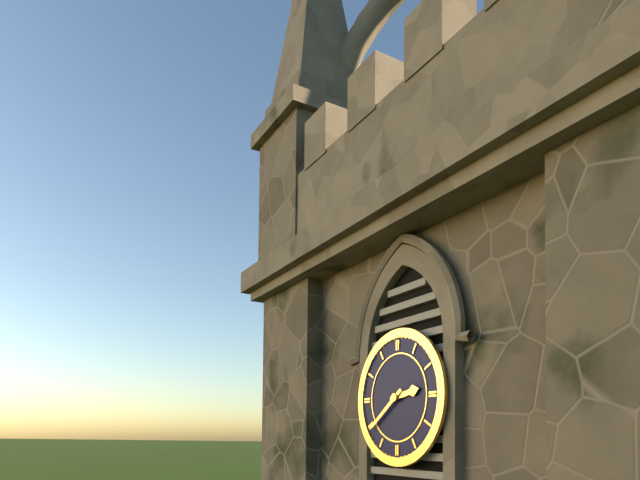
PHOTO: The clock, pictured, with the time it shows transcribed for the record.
2:39
